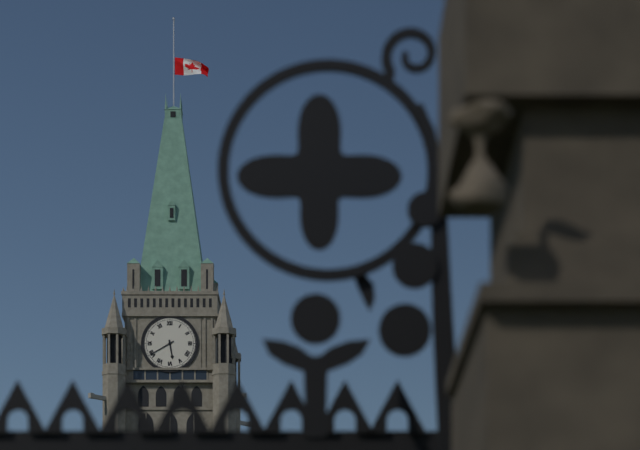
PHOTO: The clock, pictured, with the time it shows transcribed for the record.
5:40
